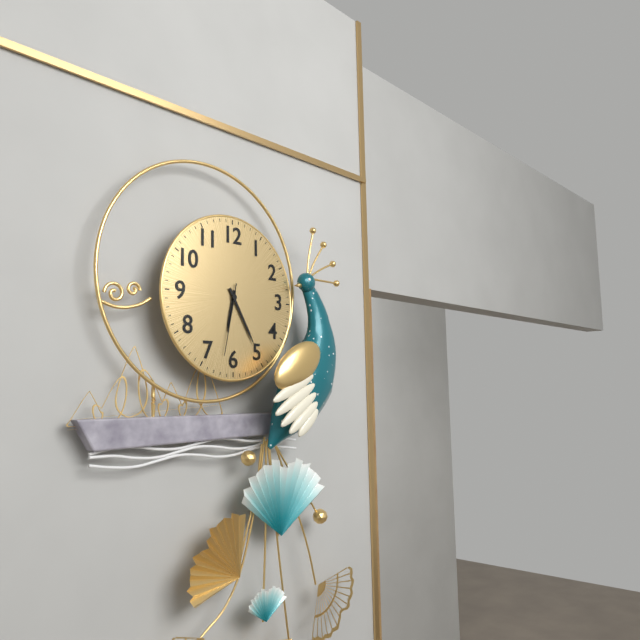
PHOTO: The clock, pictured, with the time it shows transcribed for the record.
6:25:32
